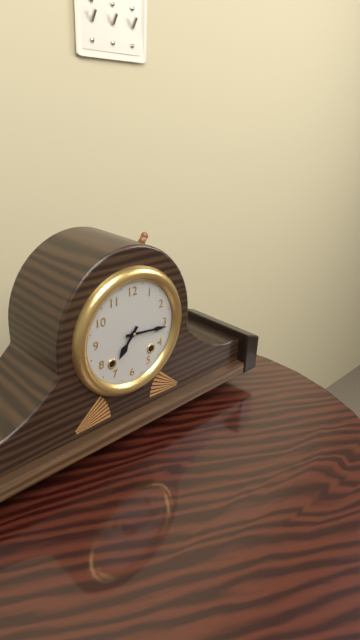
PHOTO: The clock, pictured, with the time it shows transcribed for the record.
7:16
